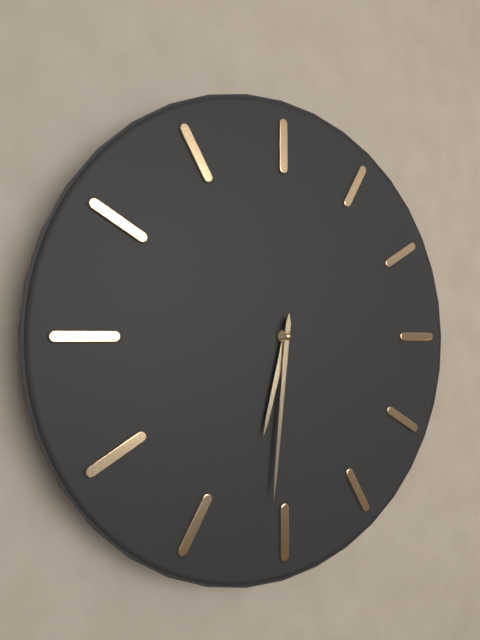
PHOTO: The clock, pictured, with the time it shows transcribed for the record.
6:31
